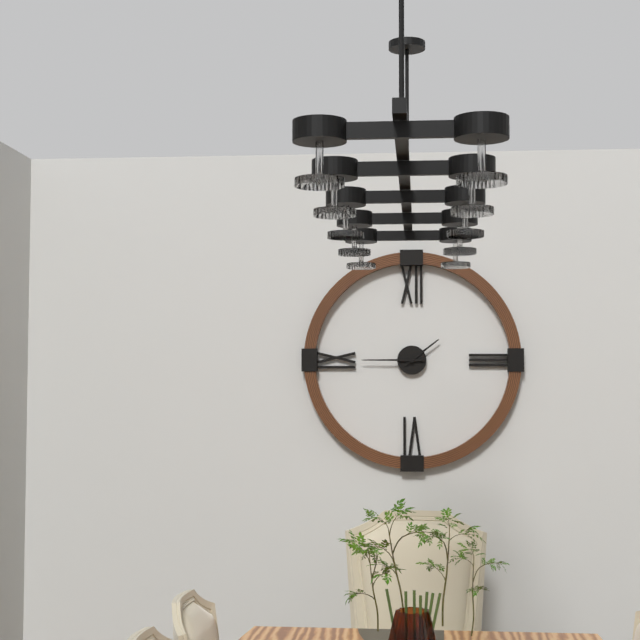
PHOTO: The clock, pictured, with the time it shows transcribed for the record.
1:45
